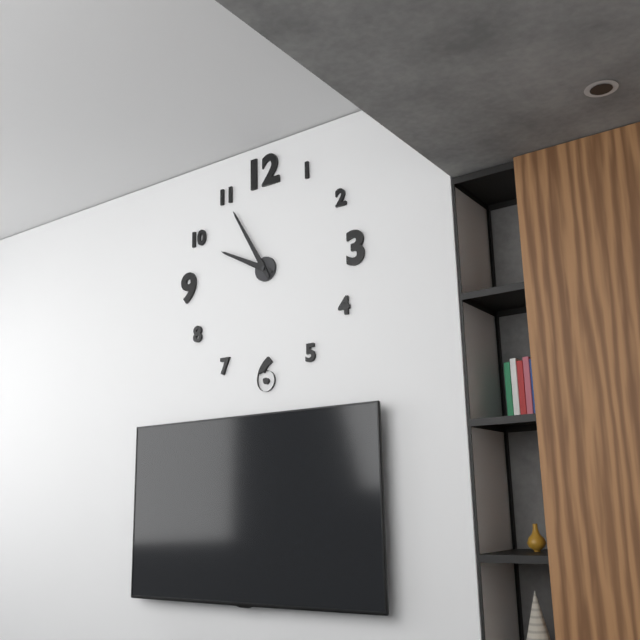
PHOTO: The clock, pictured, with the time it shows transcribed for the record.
9:55
